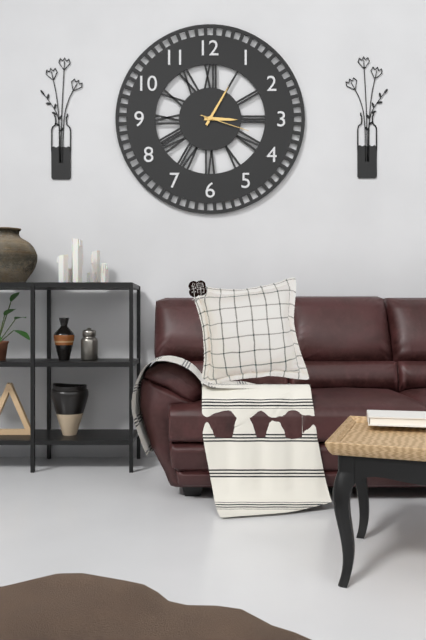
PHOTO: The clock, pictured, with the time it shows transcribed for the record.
3:05:18
